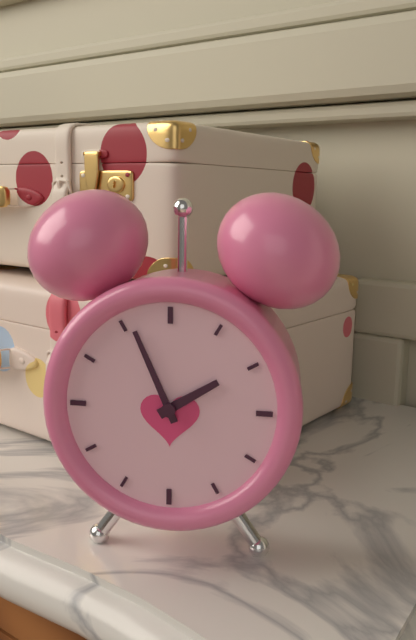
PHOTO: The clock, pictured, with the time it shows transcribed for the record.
1:56
